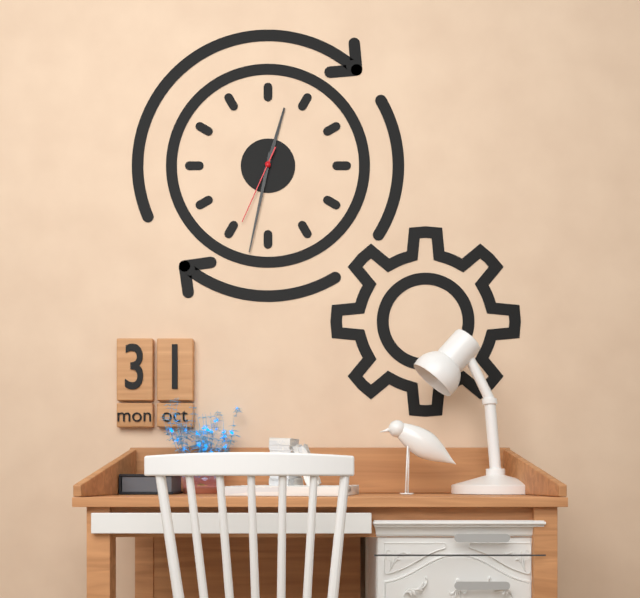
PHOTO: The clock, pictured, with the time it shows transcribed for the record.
12:32:34
